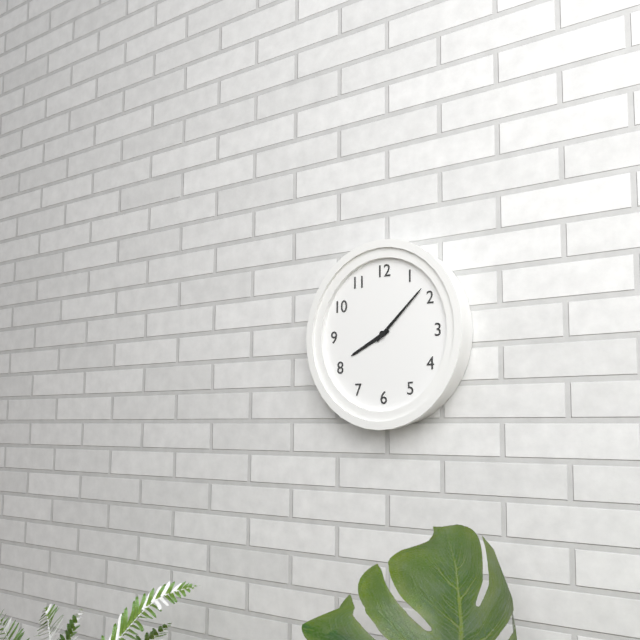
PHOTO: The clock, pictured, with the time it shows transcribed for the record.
8:08
